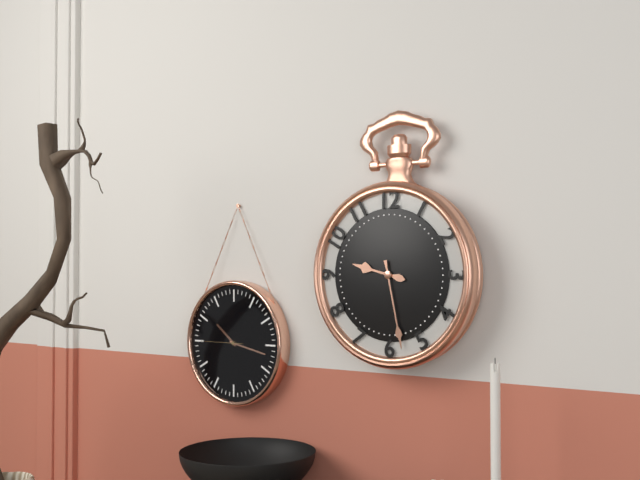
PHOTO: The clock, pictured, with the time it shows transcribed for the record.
9:28
